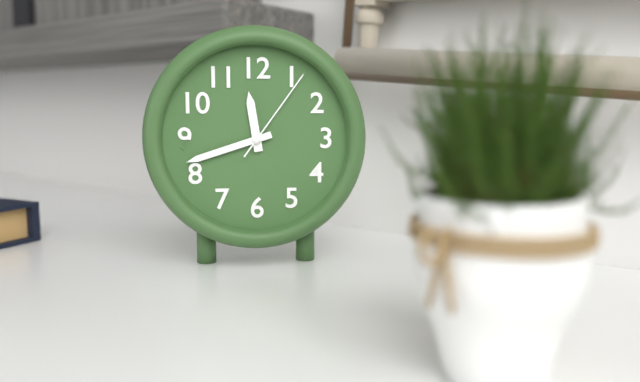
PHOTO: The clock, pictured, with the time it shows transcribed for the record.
11:42:06
